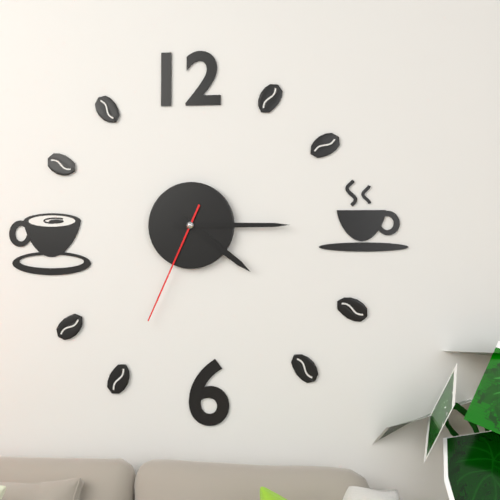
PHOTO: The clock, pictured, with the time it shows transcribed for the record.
4:15:34
